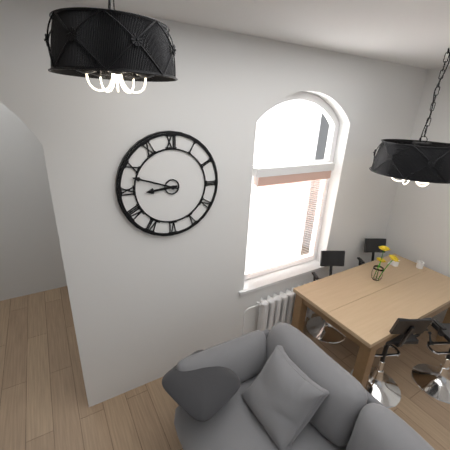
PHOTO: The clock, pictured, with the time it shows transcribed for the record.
8:48
